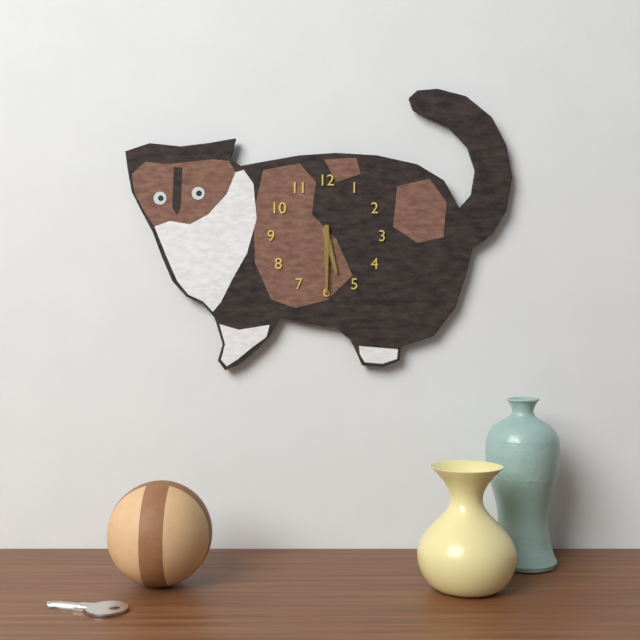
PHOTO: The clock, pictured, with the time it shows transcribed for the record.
5:30
